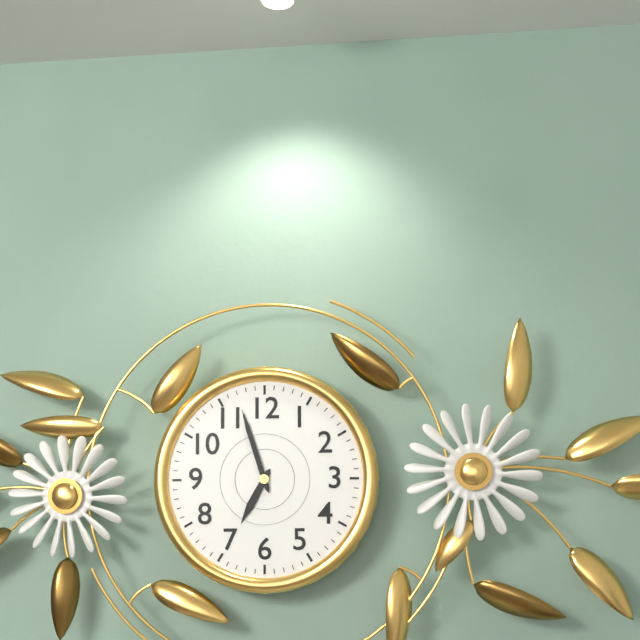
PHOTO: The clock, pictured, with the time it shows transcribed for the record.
6:57
